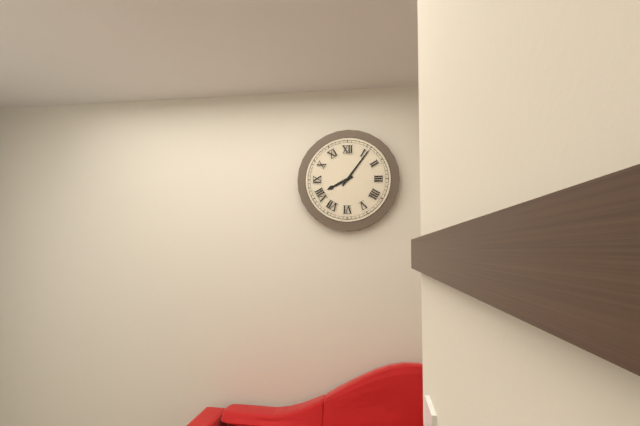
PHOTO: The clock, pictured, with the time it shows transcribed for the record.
8:06
